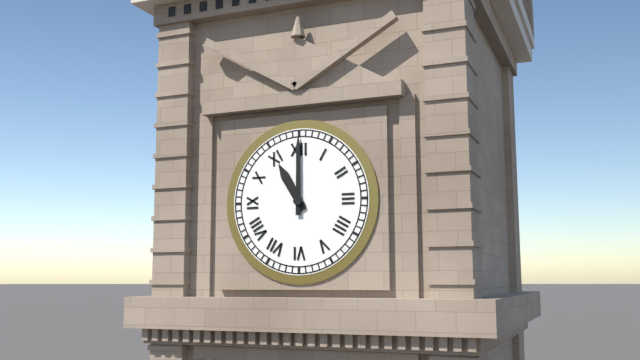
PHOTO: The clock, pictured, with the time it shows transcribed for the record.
11:00
